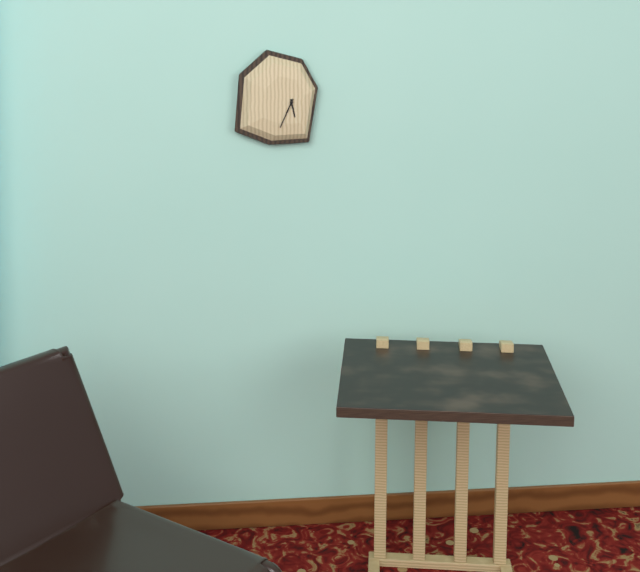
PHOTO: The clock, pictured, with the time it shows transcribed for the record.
5:34
